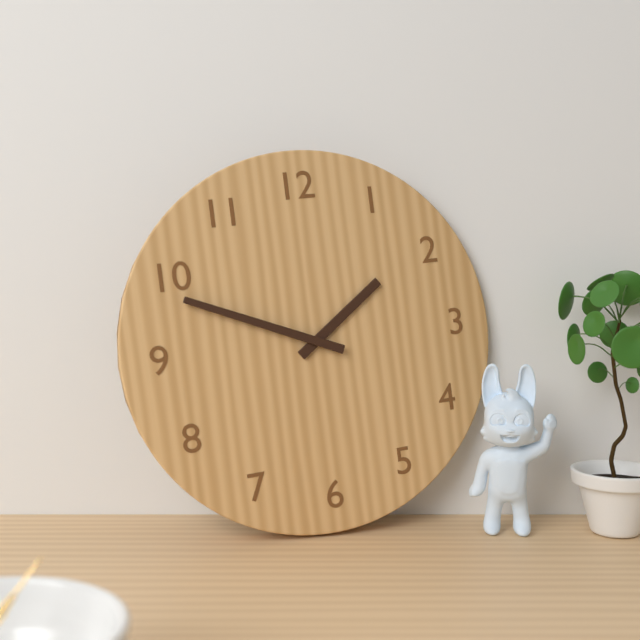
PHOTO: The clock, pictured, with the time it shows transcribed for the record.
1:49
